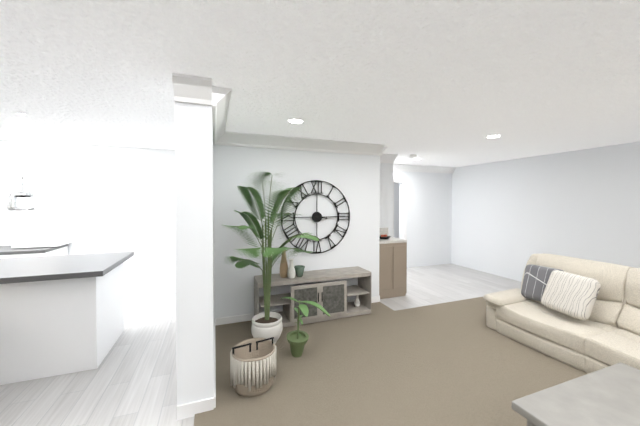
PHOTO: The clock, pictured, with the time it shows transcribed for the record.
3:15
